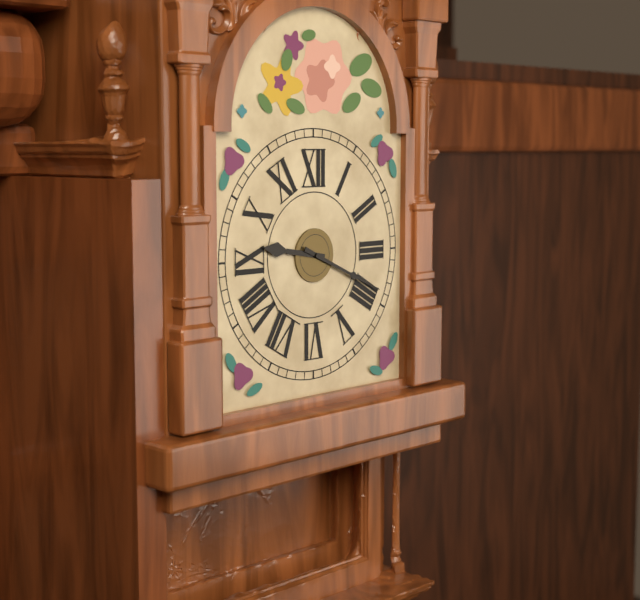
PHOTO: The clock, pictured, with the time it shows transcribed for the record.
9:19
